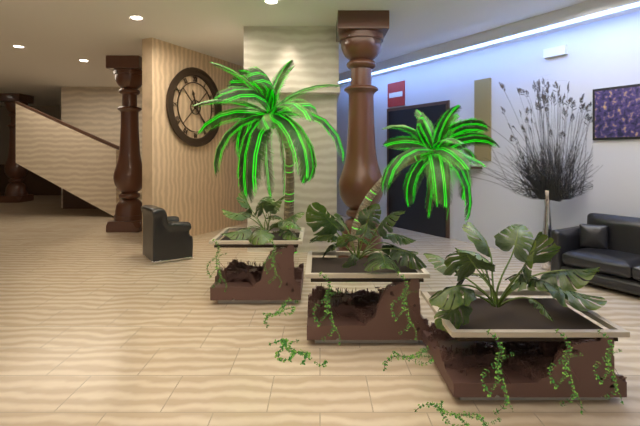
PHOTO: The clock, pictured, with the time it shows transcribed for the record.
11:24
